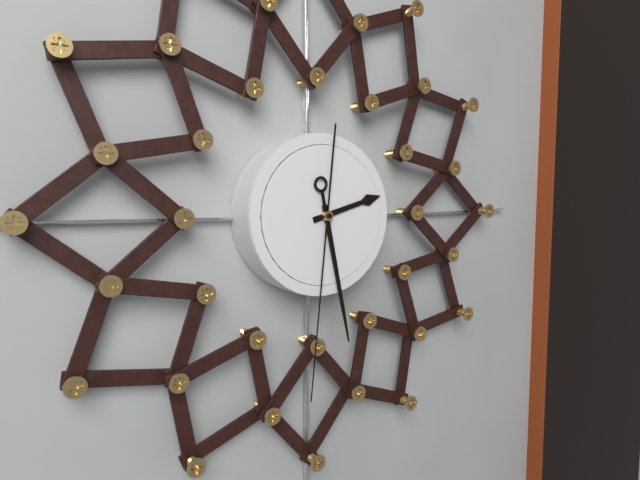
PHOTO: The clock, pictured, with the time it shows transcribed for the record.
2:28:31
